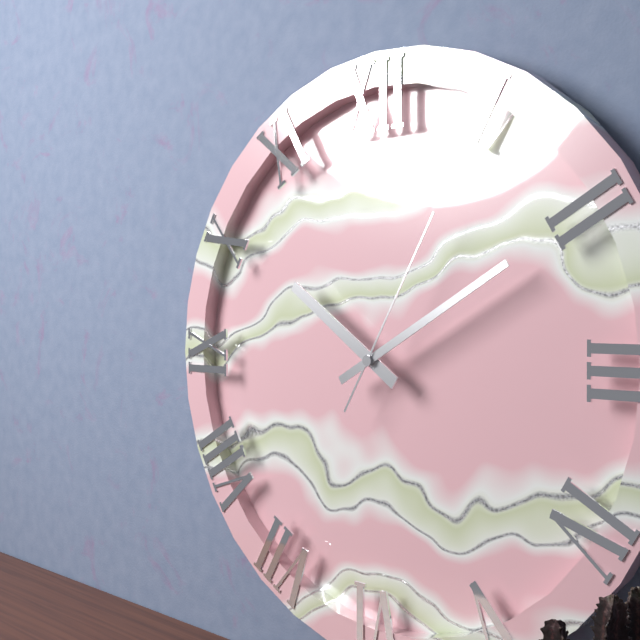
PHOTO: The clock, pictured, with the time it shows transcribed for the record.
10:10:05
